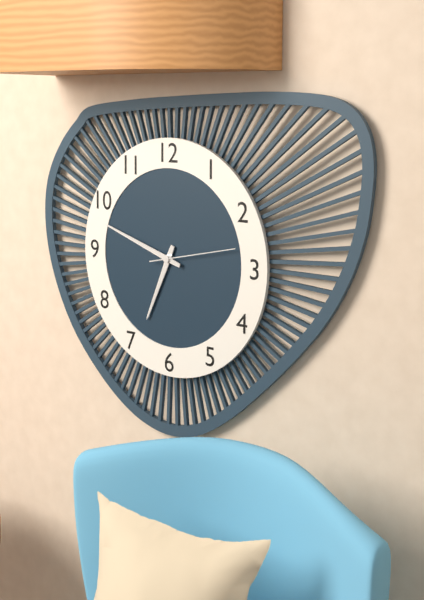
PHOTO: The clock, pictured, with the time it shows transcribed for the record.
6:48:13
